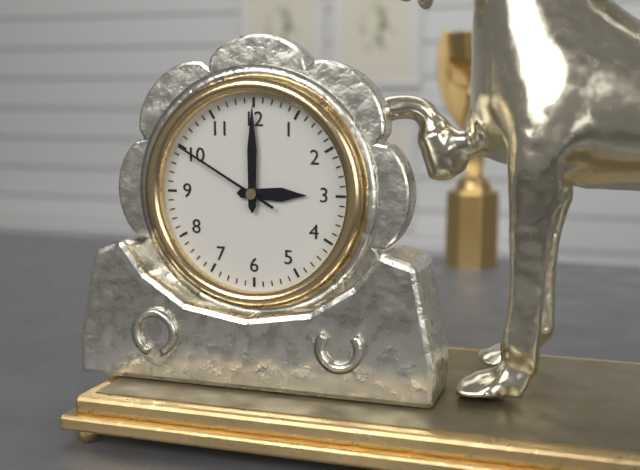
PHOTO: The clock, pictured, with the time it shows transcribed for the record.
3:00:50
